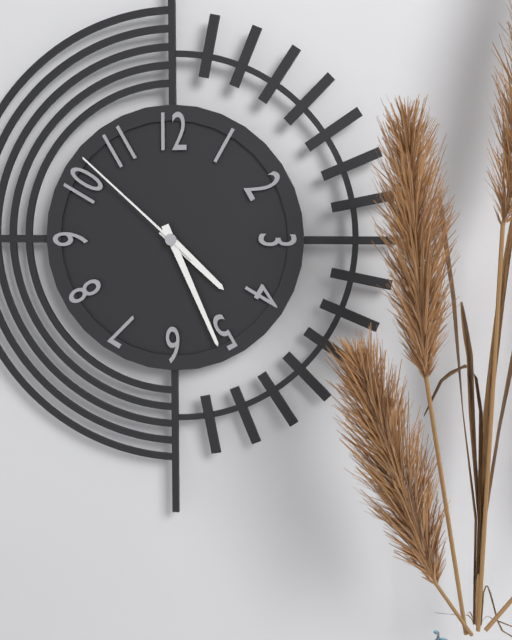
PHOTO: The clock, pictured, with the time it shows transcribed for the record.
4:26:52
